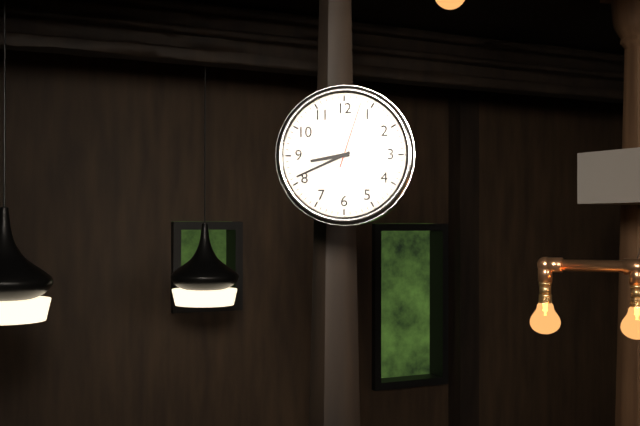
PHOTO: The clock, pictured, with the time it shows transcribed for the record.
8:41:03
